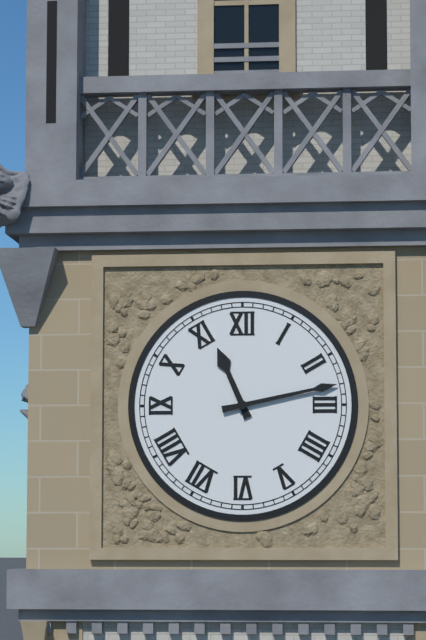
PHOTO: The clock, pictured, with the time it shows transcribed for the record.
11:13
